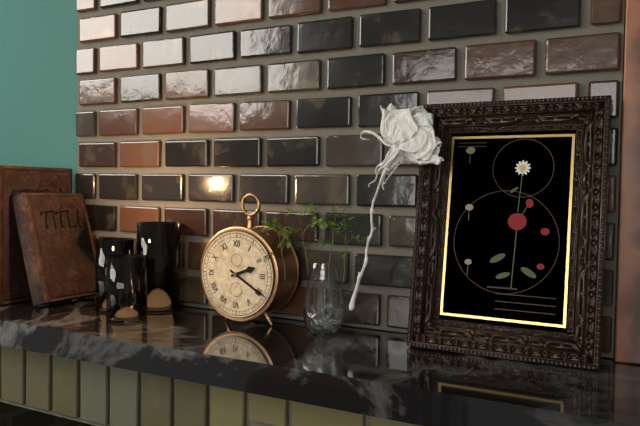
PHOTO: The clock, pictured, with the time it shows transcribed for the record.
2:20
